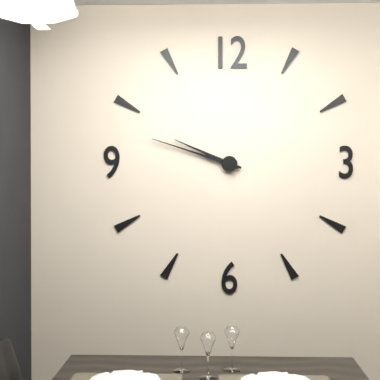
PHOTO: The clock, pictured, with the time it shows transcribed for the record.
9:48
